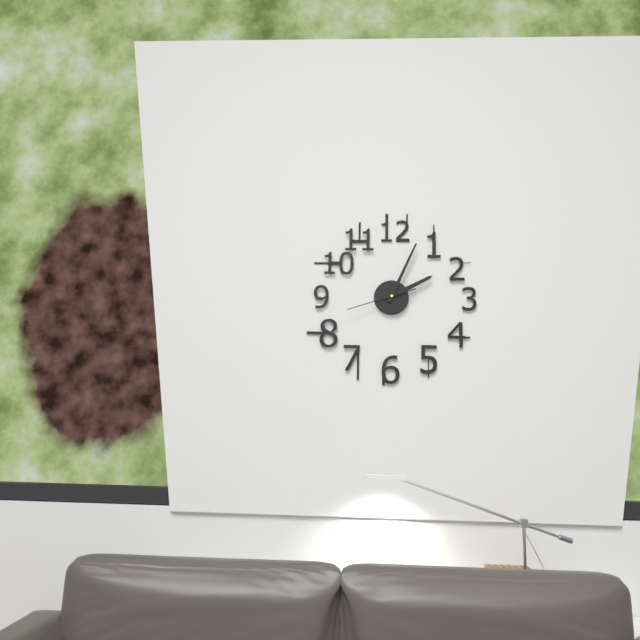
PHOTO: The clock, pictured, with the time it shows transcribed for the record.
2:04:42
